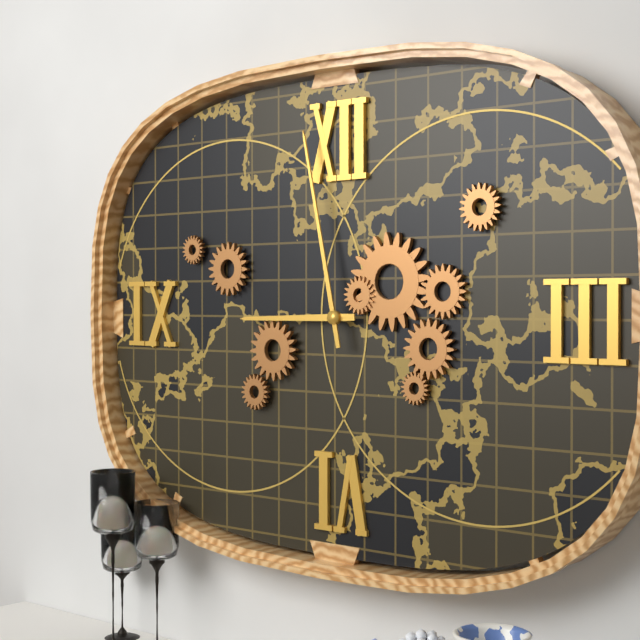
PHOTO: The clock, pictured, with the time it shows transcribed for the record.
8:58
